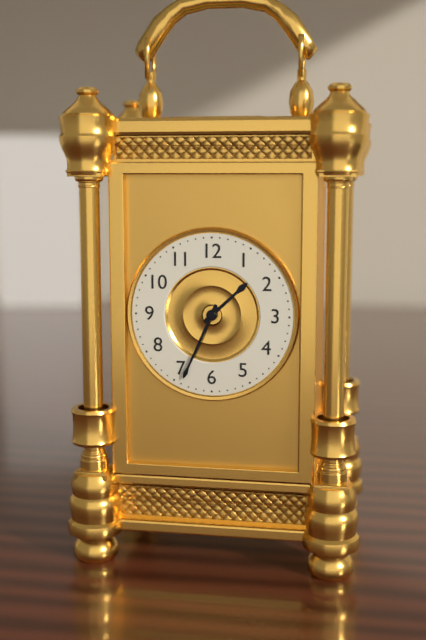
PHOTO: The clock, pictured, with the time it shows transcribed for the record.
1:34
